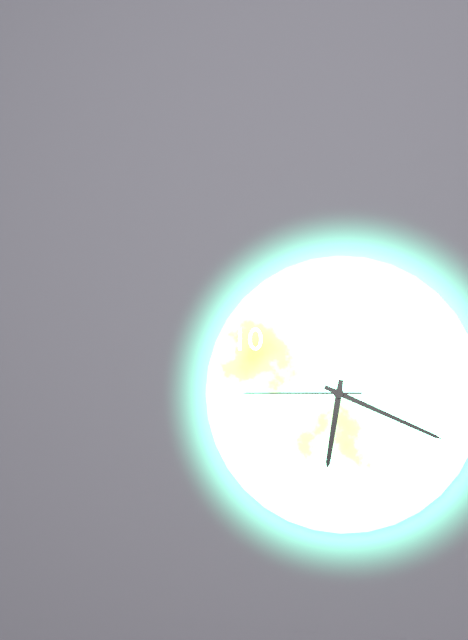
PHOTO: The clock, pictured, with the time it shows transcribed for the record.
6:19:45
